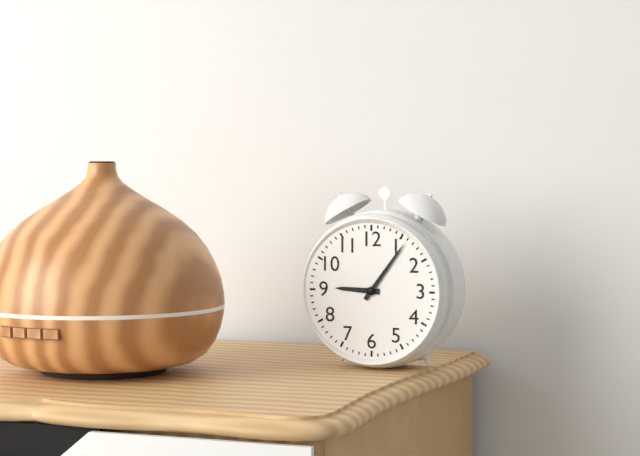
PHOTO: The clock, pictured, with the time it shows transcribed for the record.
9:06
